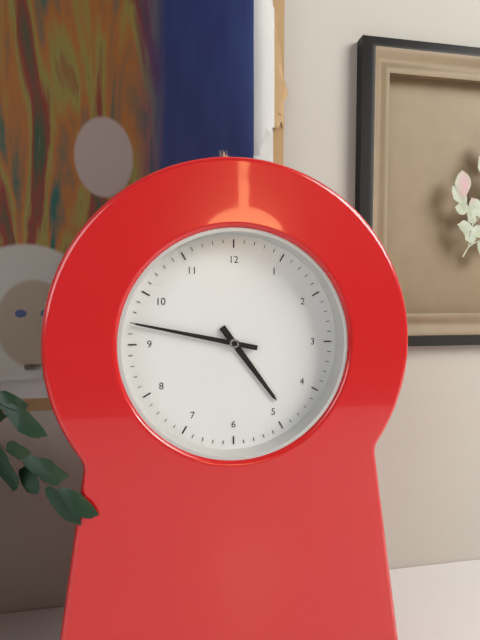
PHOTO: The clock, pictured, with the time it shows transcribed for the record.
4:47
